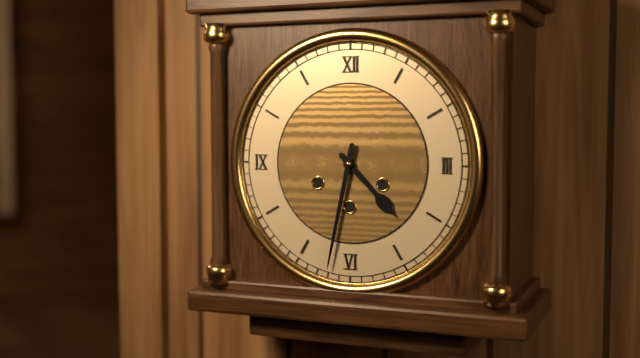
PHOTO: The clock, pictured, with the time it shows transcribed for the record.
4:32
